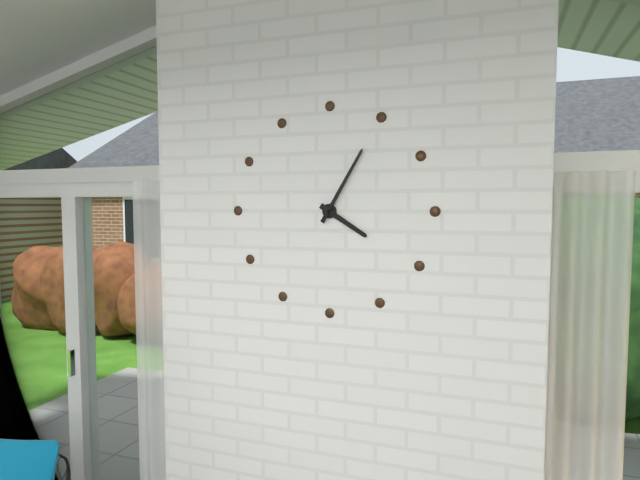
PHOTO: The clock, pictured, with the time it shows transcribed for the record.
4:05
